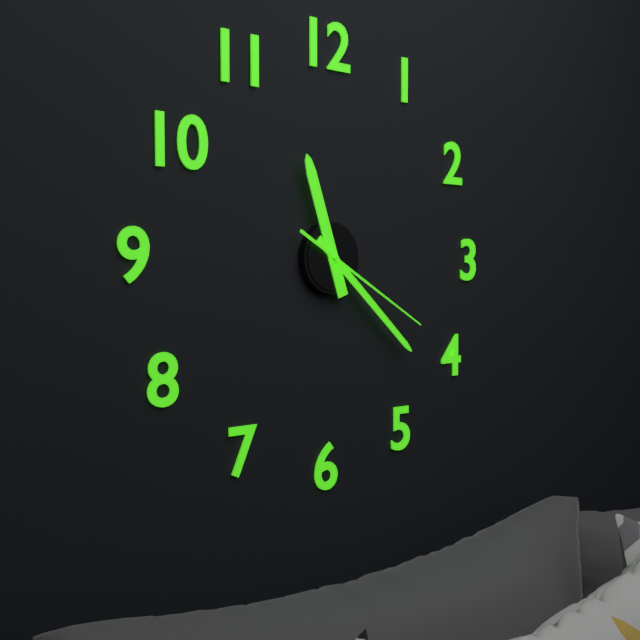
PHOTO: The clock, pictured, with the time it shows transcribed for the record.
11:22:20
